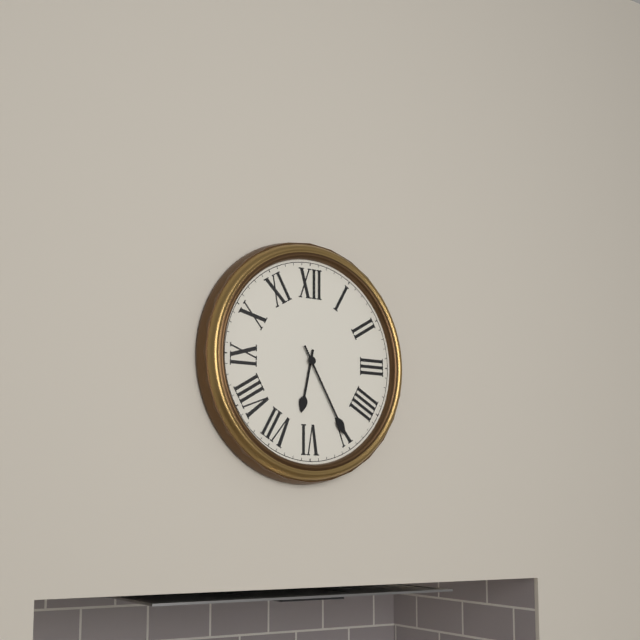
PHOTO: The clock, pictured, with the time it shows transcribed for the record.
6:25
